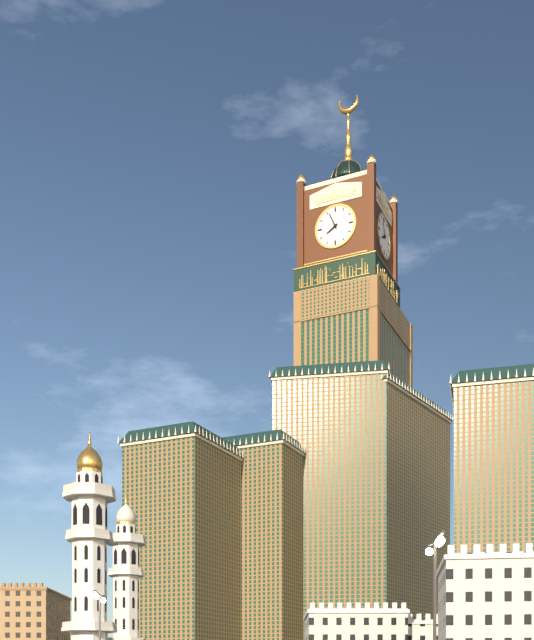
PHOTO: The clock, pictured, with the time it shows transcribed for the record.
7:56
